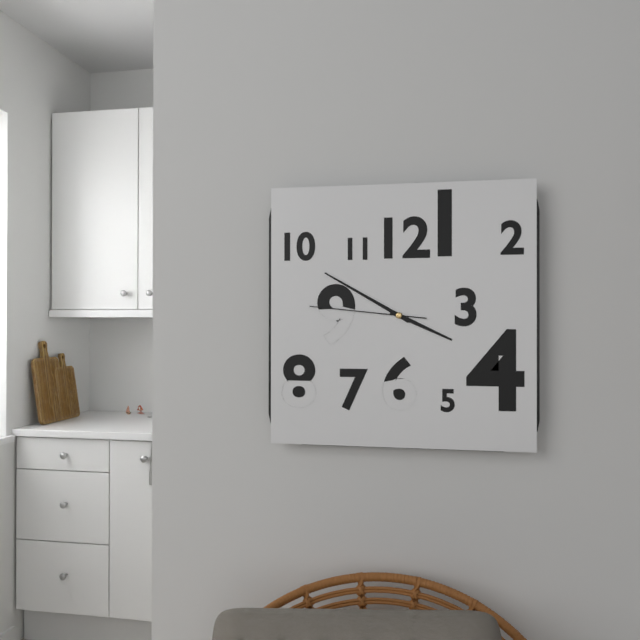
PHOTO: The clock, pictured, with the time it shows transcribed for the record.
3:50:46
